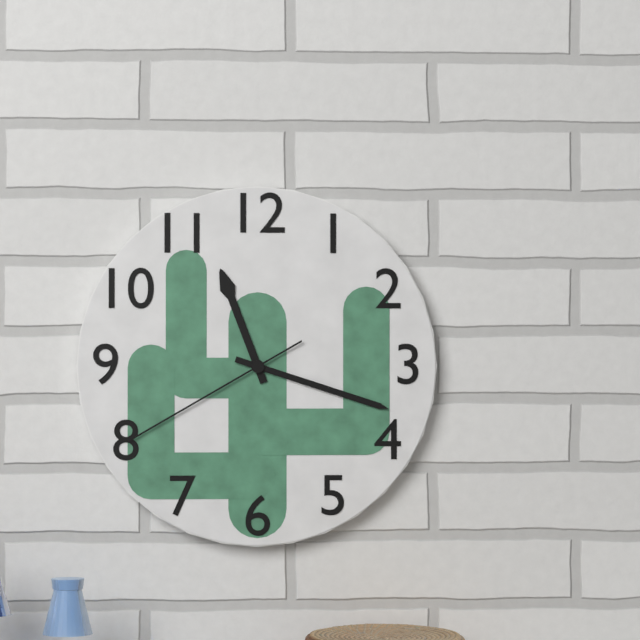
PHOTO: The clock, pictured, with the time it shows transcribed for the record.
11:18:40
